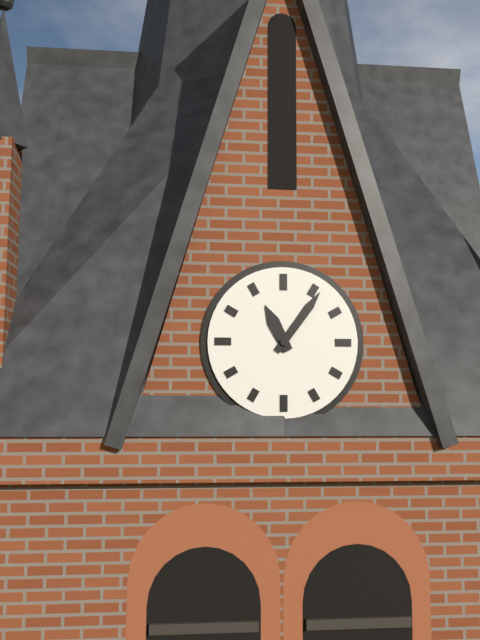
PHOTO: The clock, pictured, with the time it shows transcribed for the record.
11:06
